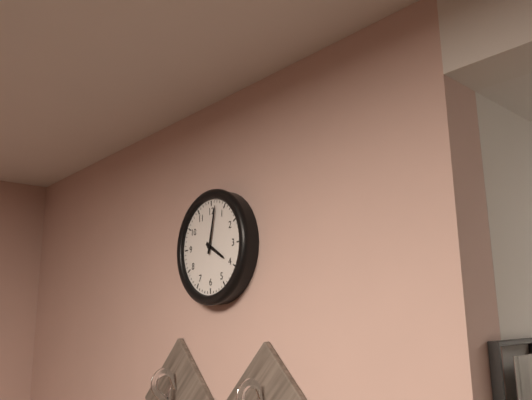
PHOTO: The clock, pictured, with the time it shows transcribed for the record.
4:02
